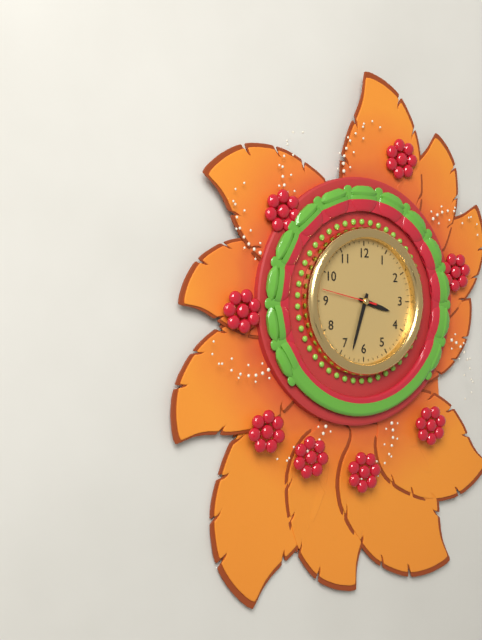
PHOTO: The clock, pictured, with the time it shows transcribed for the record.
3:33:47
